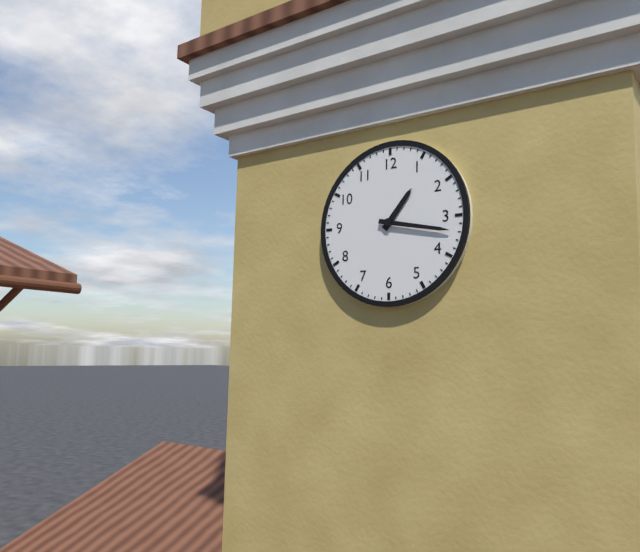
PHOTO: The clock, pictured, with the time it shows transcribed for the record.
1:17
